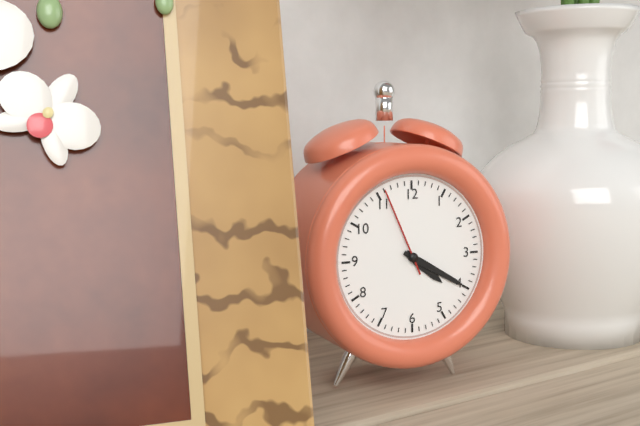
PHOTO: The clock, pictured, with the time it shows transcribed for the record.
4:20:56
